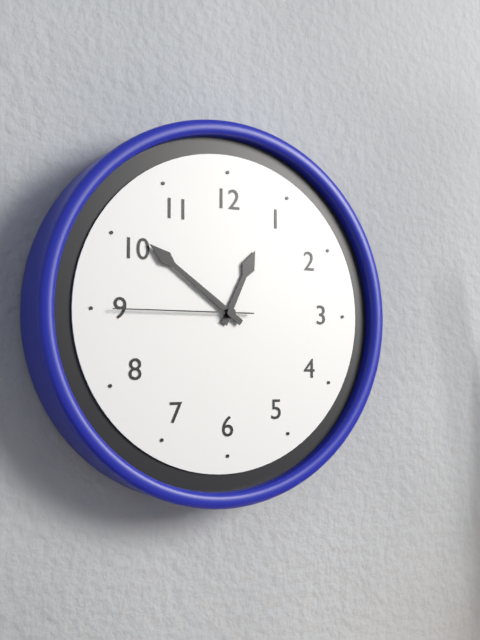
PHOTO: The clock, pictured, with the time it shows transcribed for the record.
12:51:45
